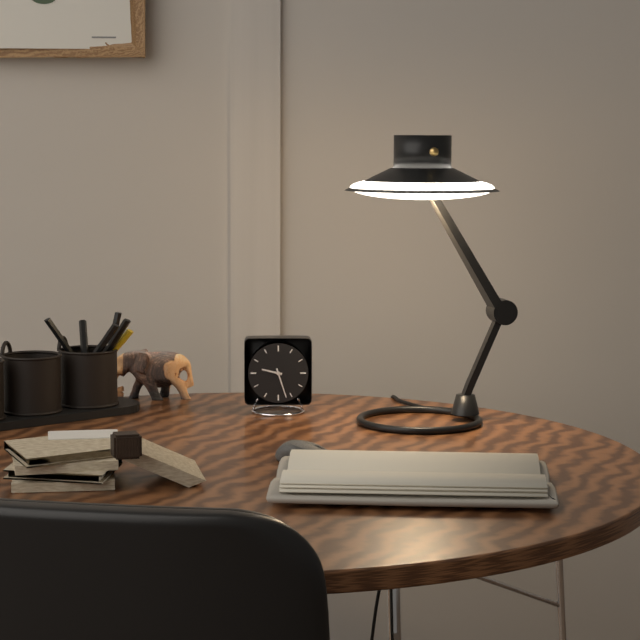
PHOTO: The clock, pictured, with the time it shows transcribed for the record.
9:27
